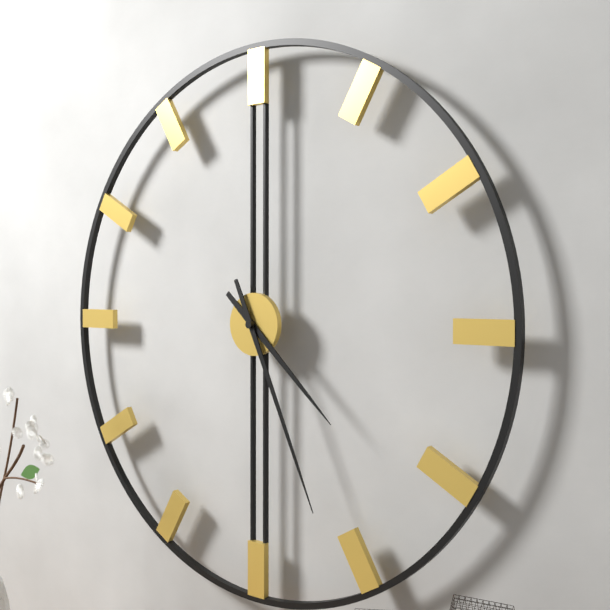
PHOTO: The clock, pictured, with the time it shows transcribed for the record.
4:26
